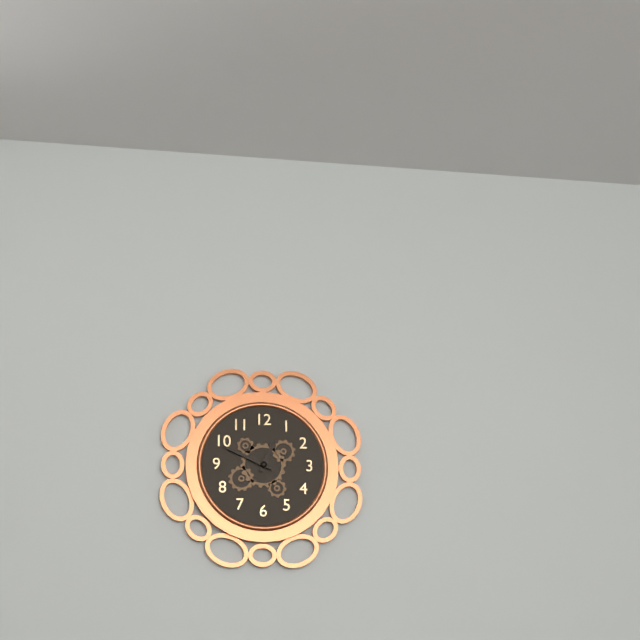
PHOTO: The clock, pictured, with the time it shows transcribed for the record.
12:49
